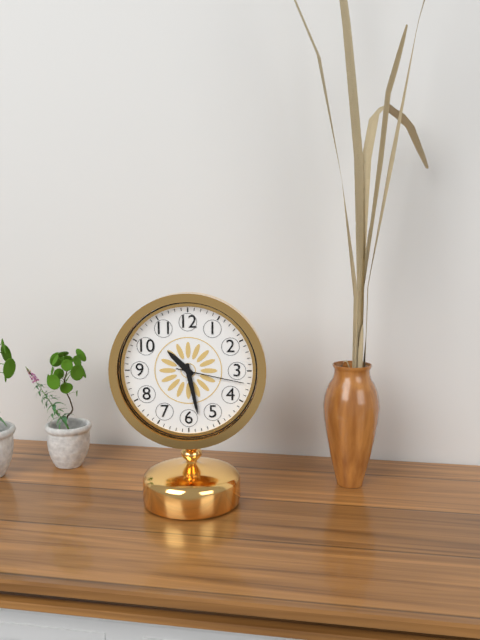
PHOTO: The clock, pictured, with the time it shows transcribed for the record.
10:28:17
